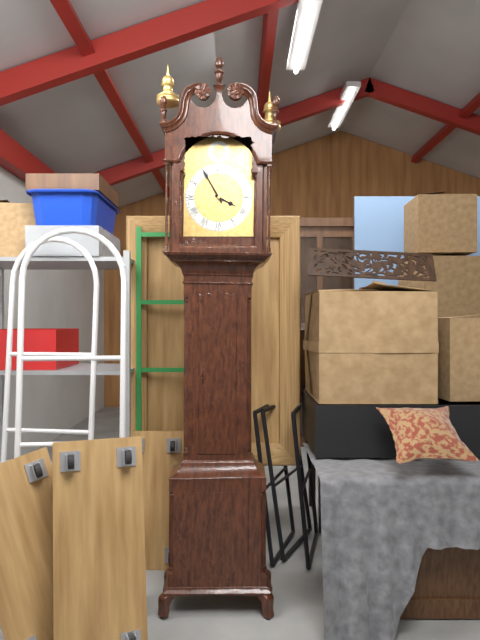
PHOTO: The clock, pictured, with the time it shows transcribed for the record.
3:55
